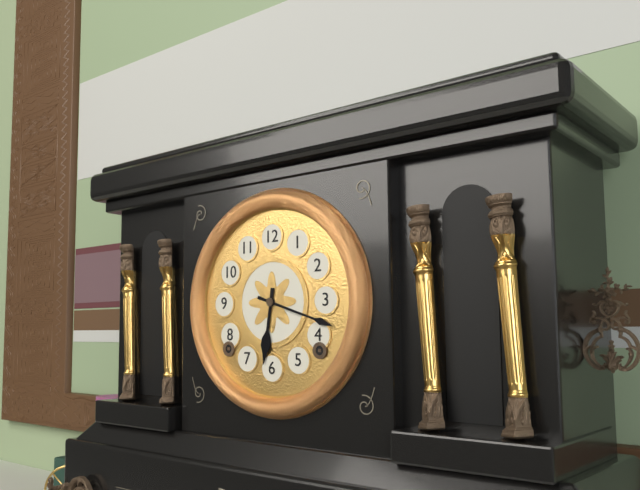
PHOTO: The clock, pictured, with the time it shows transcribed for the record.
6:18
